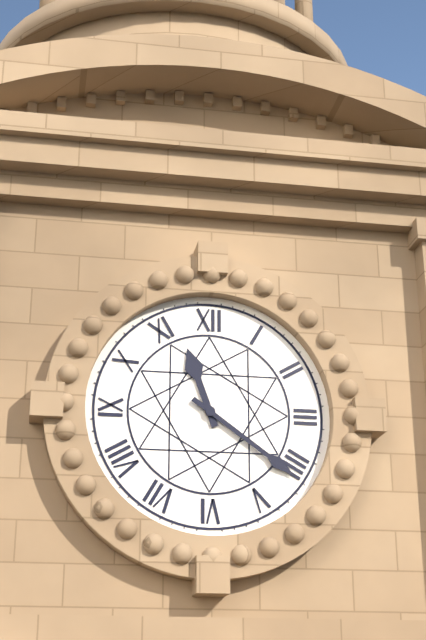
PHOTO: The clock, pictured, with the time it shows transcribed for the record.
11:21
